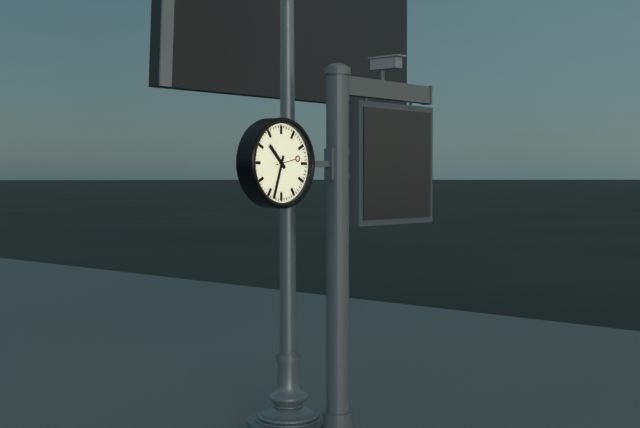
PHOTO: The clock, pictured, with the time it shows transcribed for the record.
10:33
